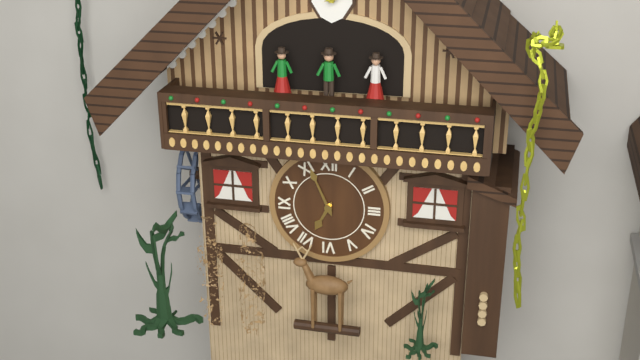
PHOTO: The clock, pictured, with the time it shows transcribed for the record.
6:56
